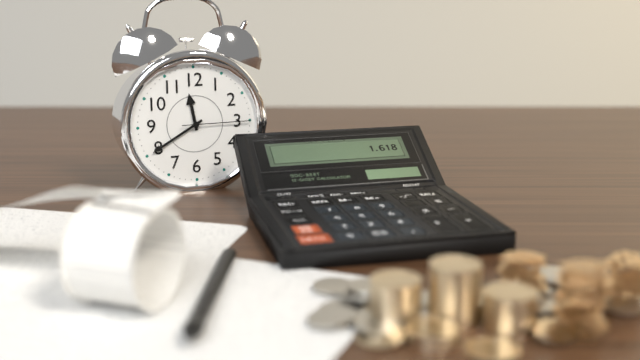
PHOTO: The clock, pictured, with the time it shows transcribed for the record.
11:40:15
